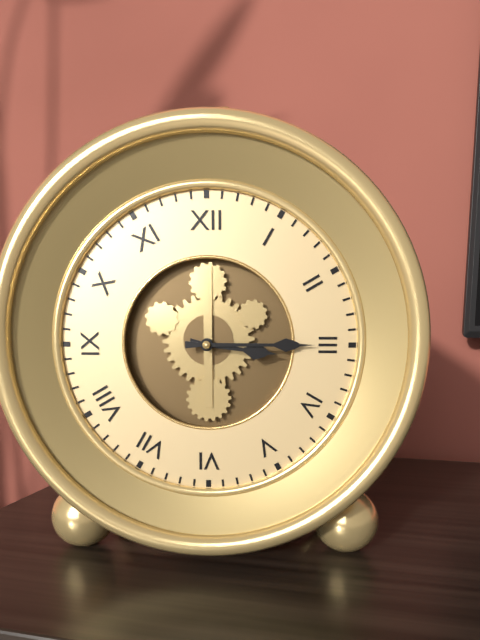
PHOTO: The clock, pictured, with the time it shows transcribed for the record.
3:15
